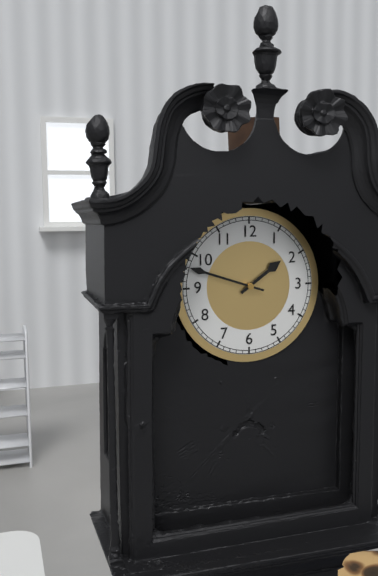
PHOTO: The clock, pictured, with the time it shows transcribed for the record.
1:48
